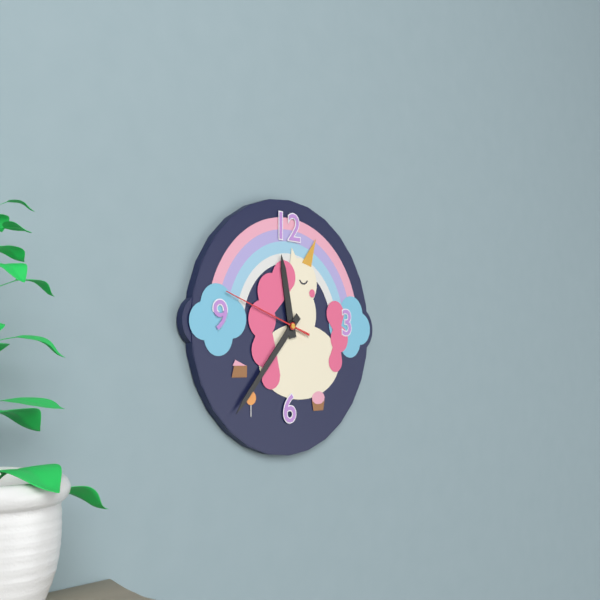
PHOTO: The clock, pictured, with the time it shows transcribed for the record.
11:37:48
